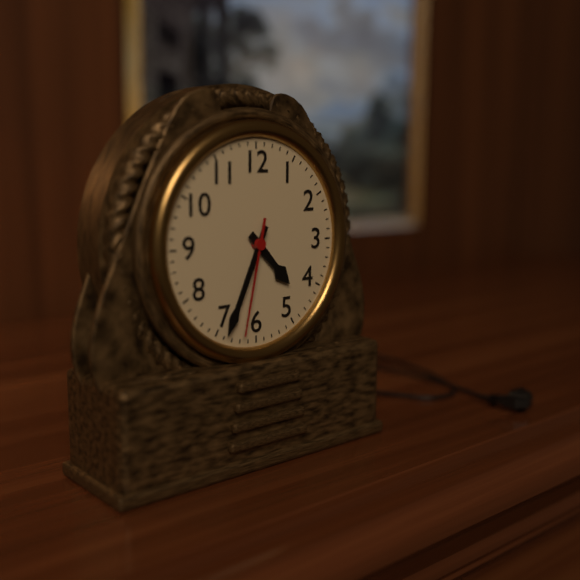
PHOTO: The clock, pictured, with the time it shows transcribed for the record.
4:34:32
